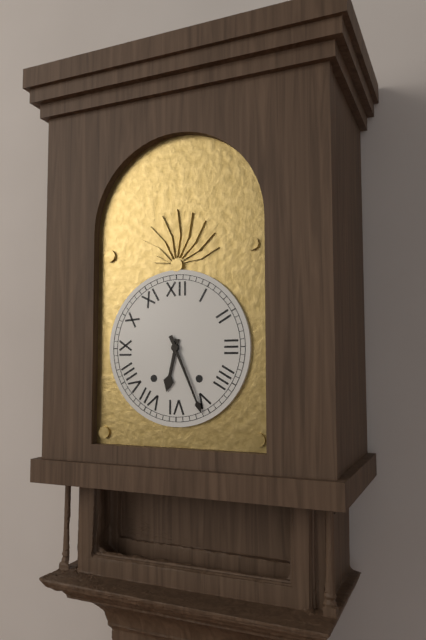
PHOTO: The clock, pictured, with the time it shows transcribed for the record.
6:26
